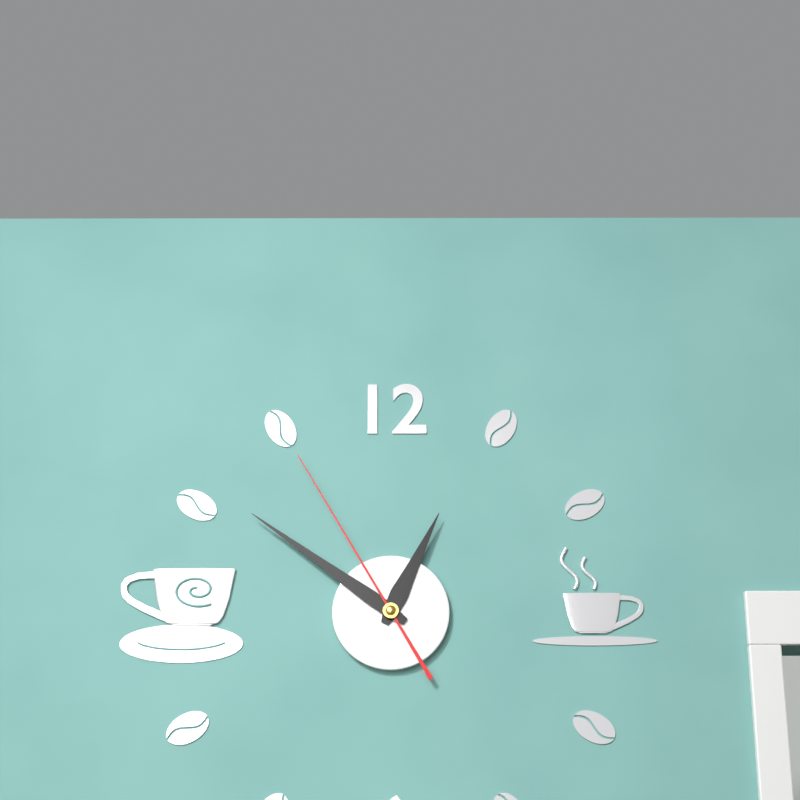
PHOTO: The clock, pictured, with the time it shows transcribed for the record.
12:51:55
